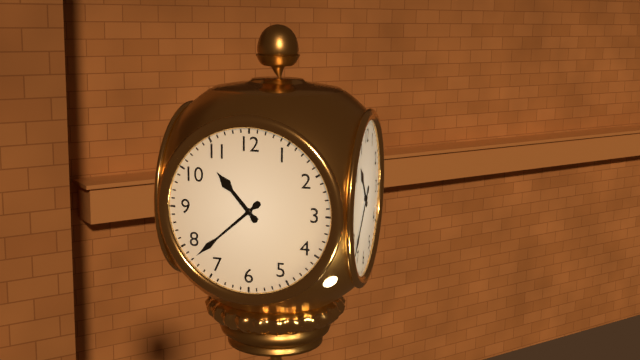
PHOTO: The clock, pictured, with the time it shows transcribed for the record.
10:38
